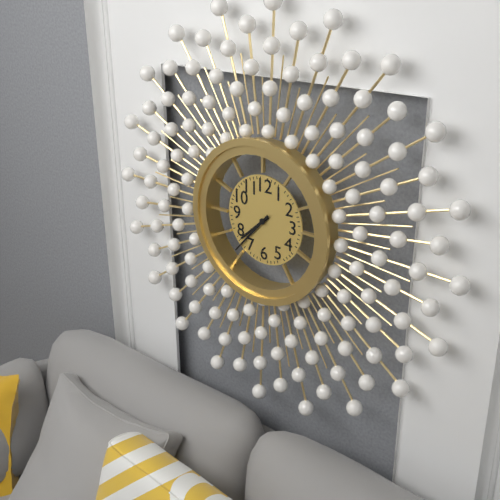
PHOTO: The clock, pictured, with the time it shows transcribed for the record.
7:37
